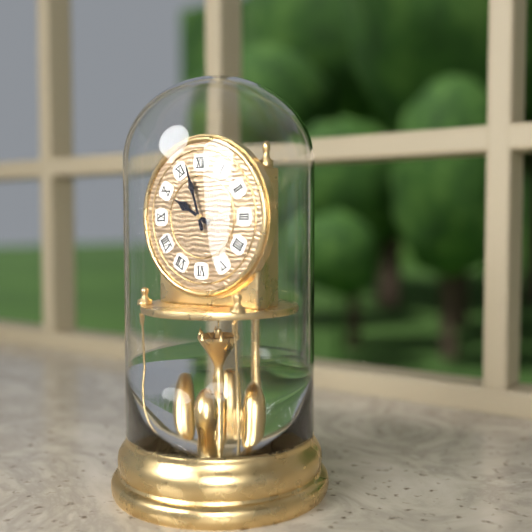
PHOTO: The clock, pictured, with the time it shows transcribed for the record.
9:57
